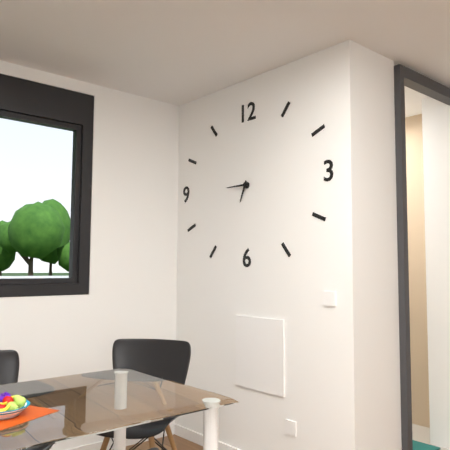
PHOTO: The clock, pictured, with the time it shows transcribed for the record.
6:45
